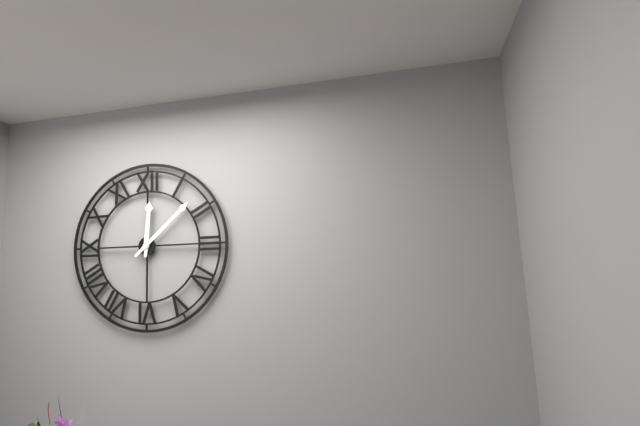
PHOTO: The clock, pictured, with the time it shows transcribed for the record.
12:08
